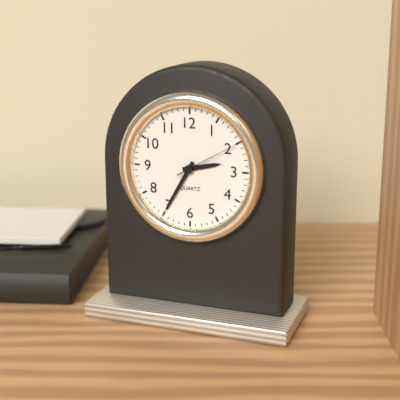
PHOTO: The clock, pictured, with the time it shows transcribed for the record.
2:35:10
